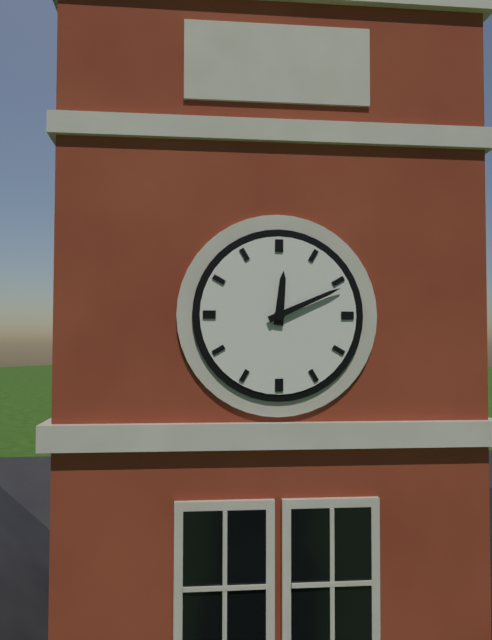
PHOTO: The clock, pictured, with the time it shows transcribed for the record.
12:11
